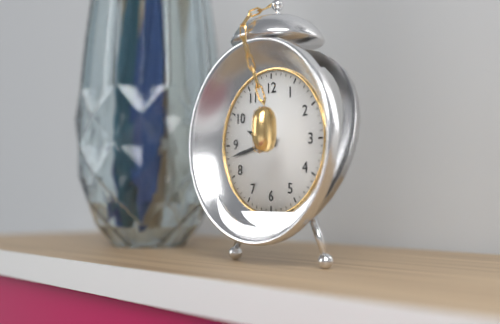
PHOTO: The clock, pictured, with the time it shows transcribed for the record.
9:43
